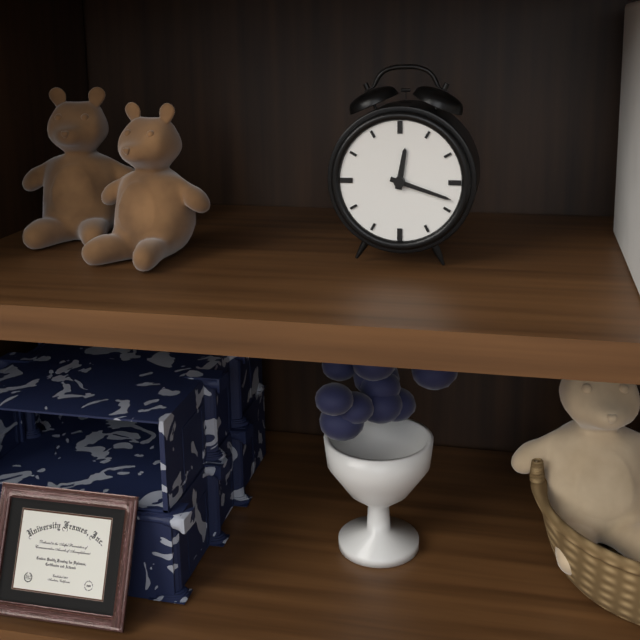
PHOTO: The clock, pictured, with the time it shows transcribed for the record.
12:18
